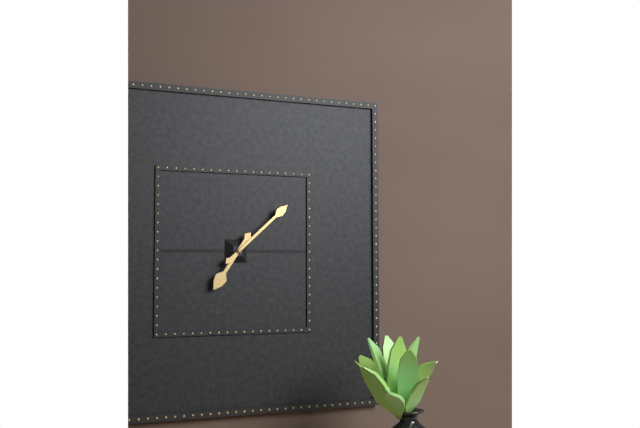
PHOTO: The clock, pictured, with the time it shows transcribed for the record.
7:08
